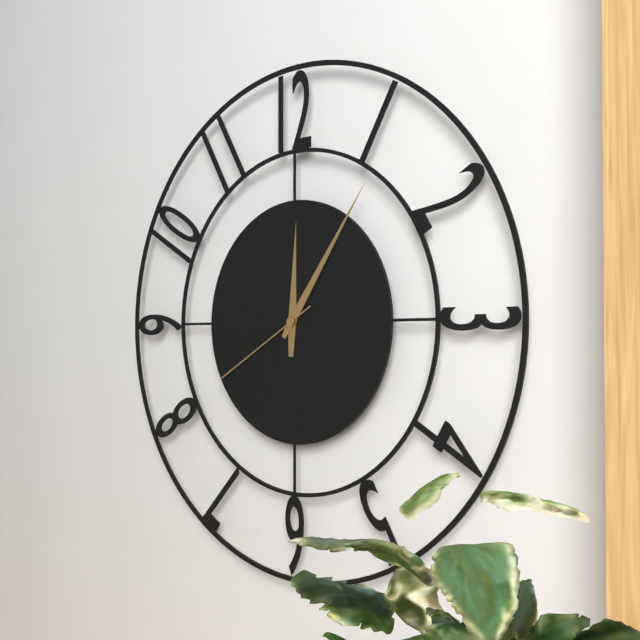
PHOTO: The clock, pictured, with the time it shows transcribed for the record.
12:06:40
